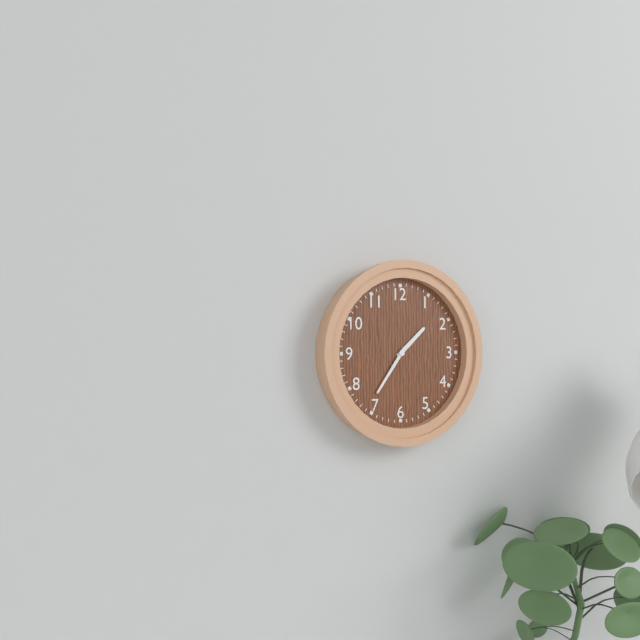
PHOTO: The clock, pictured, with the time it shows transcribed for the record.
1:36
